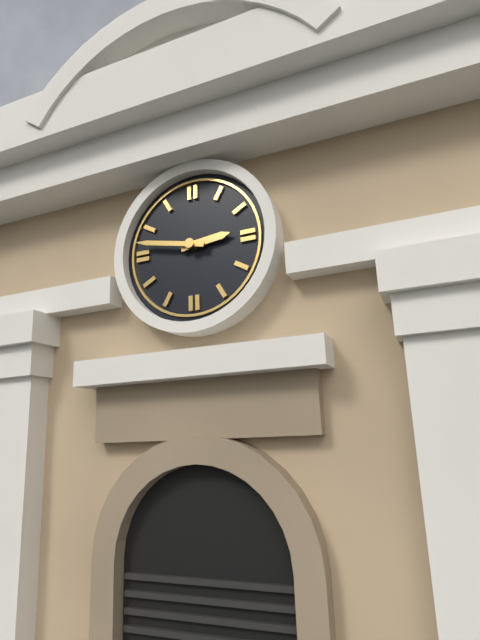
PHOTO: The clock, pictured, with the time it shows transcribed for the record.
2:47
